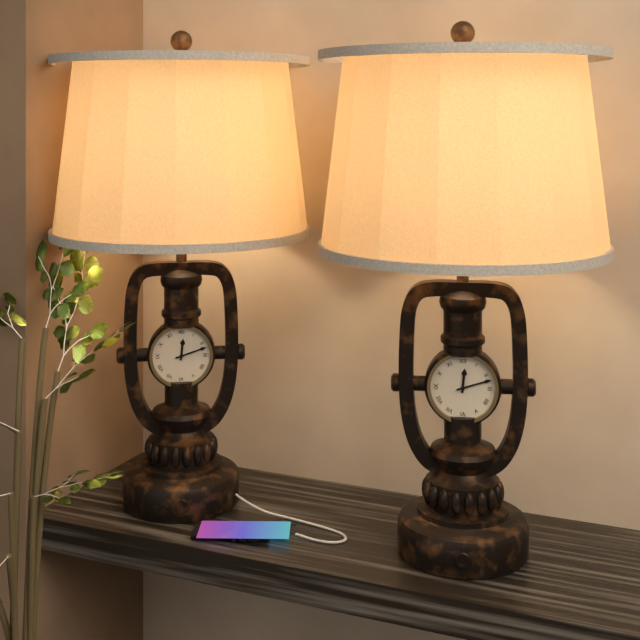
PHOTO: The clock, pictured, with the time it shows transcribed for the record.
12:12
